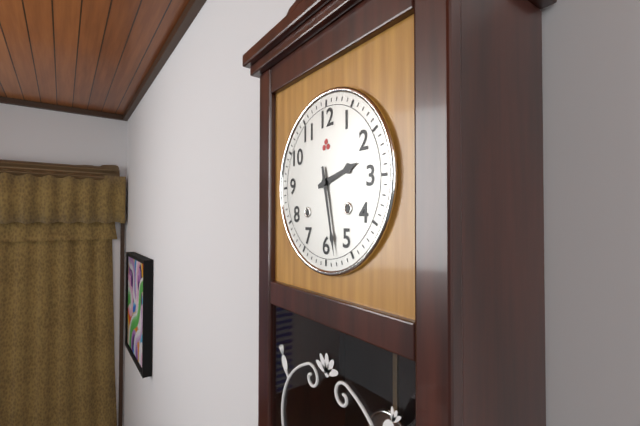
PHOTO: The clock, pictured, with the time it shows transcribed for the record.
2:28
